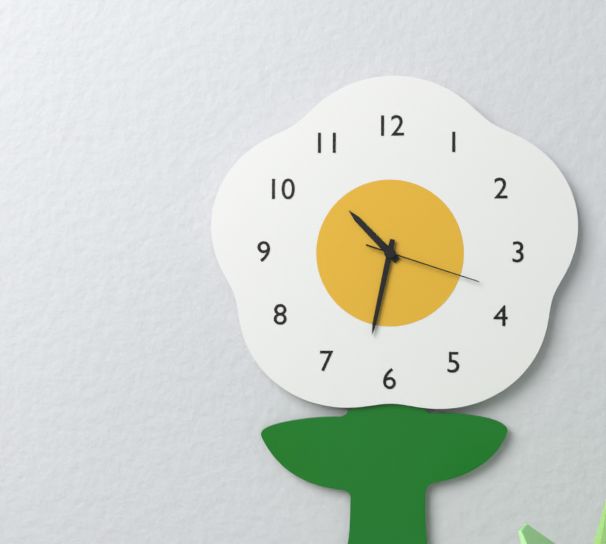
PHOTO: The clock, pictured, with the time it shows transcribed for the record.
10:32:18
